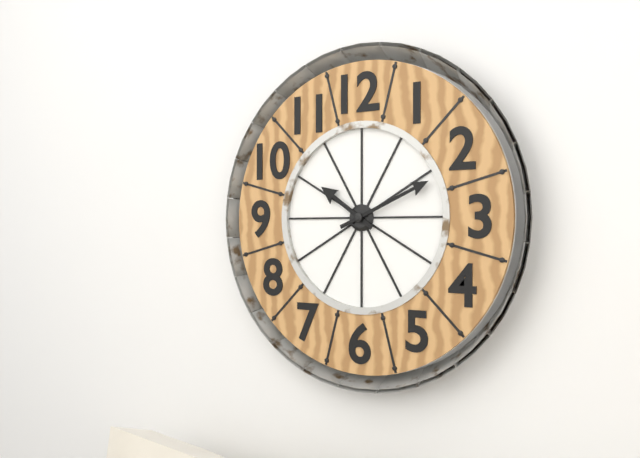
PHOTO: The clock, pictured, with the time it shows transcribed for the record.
10:11
